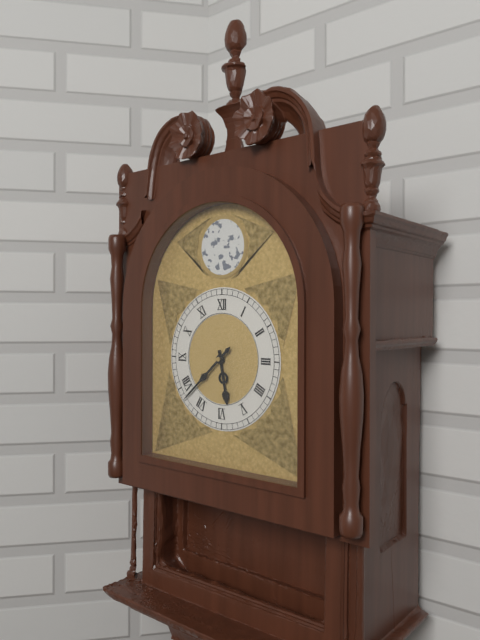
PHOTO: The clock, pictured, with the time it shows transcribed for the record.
5:38
